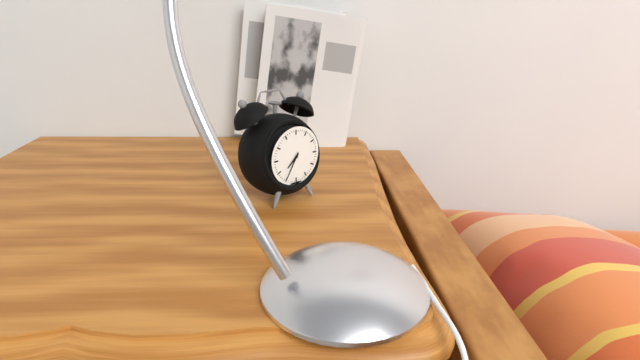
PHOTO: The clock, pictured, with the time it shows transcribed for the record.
7:35
